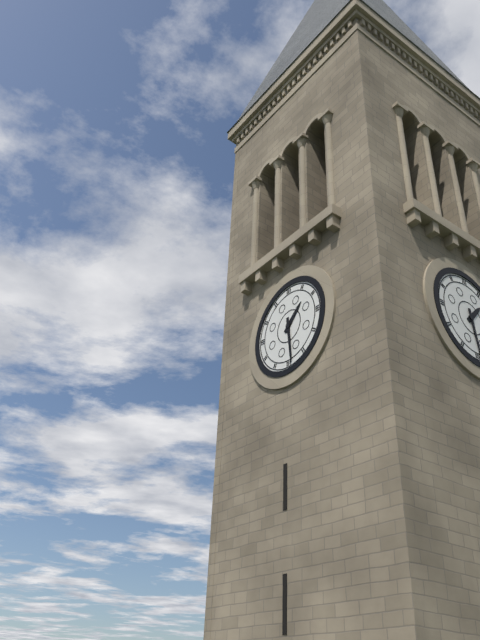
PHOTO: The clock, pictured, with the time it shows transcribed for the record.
1:29
